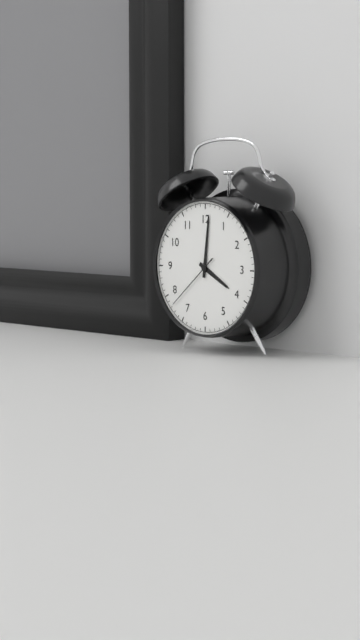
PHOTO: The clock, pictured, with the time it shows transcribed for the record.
4:01:38
